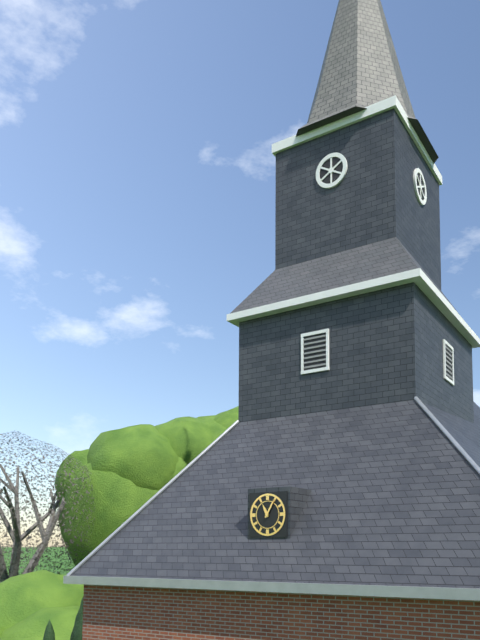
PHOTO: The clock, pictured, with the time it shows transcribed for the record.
11:05
